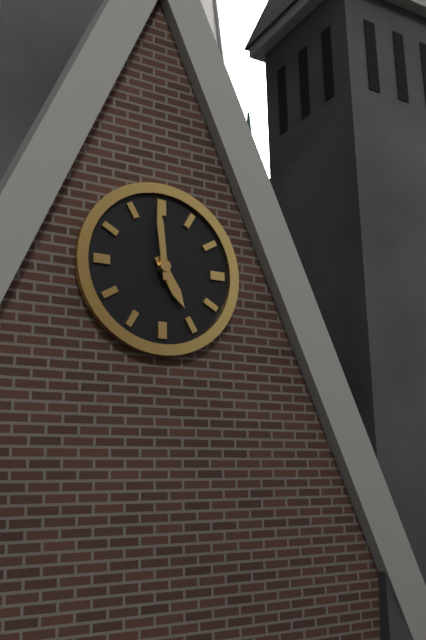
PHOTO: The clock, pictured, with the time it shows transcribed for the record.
4:59
